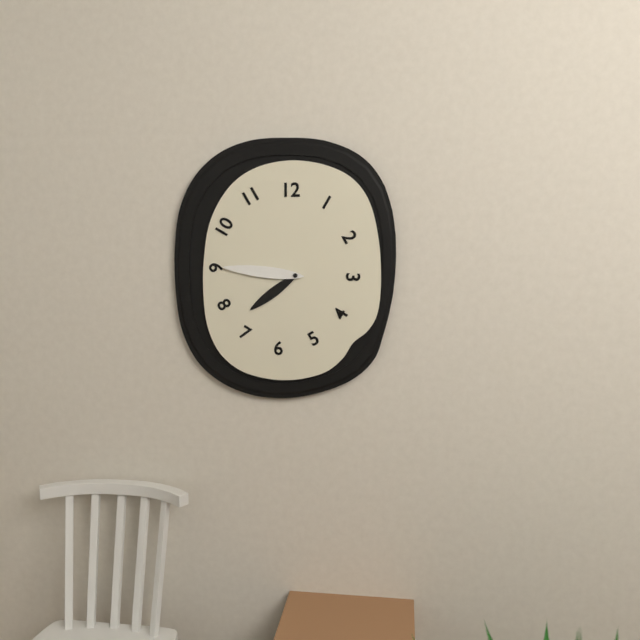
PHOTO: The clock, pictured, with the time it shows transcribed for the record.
7:46
